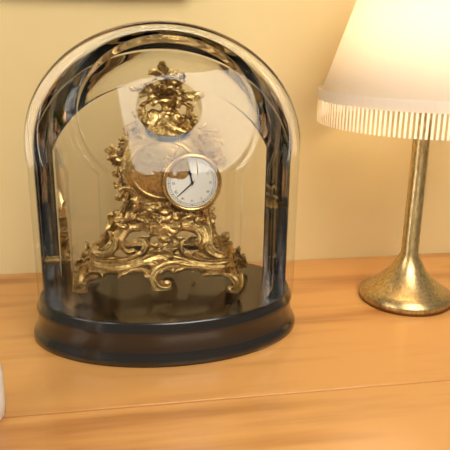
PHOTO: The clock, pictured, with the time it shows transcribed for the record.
11:38
